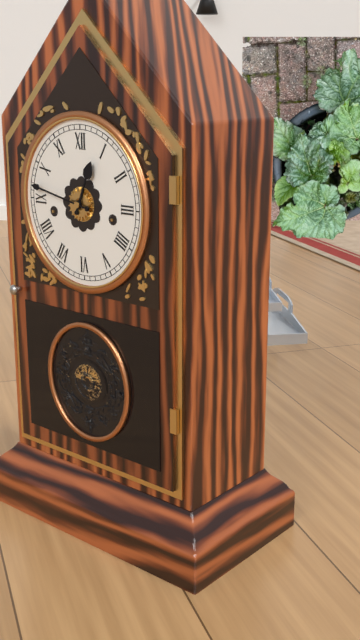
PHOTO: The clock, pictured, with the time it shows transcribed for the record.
12:47
